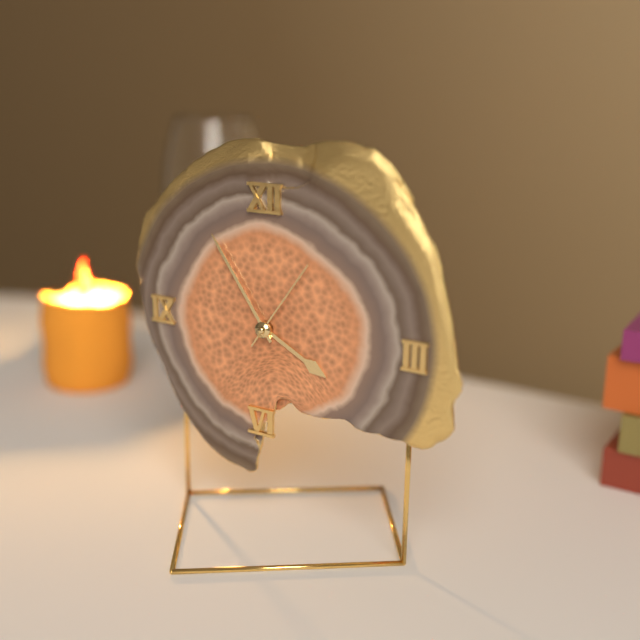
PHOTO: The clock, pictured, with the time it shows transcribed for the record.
3:54:06
